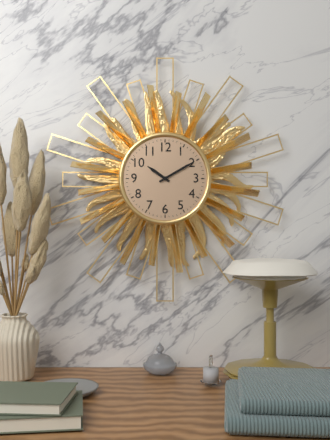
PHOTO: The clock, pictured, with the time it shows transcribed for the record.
10:10
